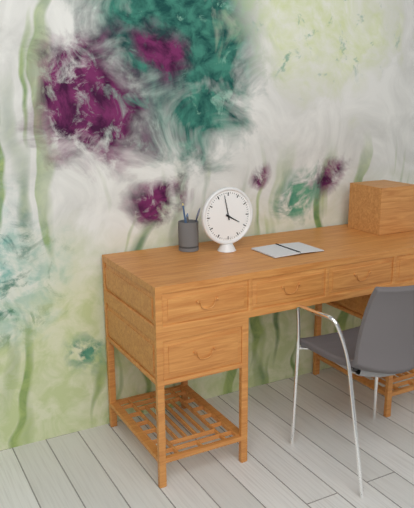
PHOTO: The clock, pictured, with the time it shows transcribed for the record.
3:58
